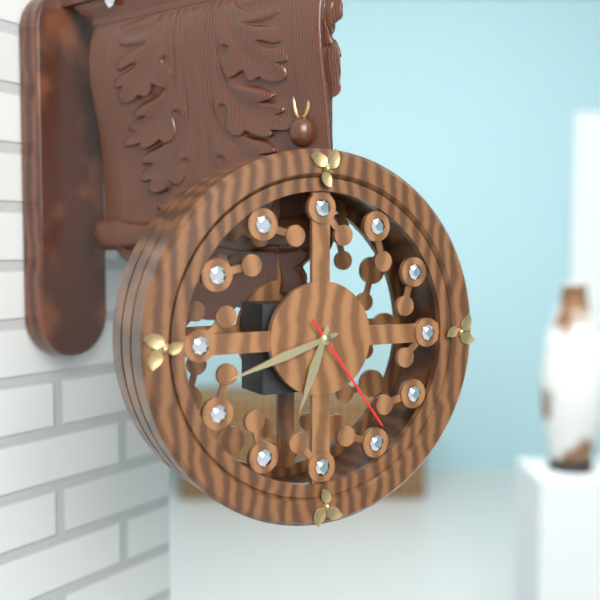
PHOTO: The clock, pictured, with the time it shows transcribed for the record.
6:42:24
